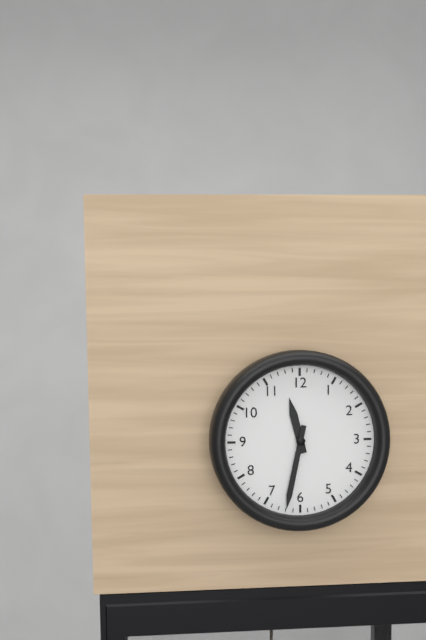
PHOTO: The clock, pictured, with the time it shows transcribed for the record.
11:32
